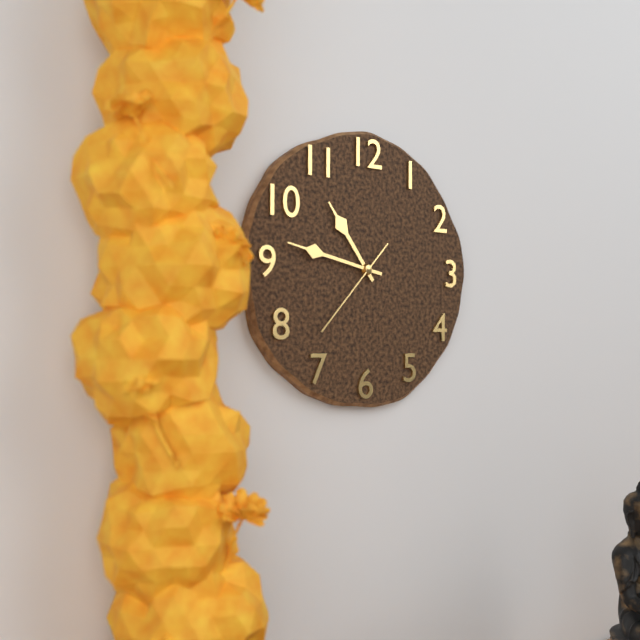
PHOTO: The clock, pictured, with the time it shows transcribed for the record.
10:47:37
